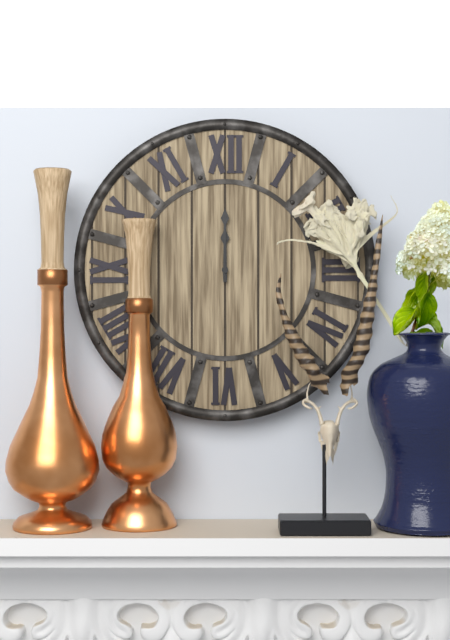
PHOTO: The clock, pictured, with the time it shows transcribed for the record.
12:00
